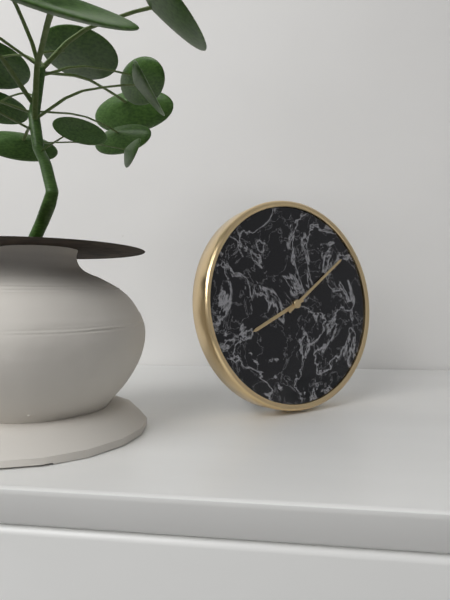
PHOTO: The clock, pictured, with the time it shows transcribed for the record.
8:09
